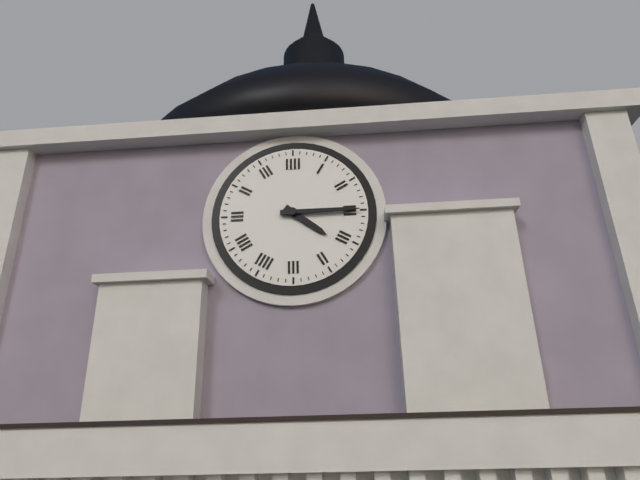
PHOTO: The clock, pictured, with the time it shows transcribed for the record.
4:15
